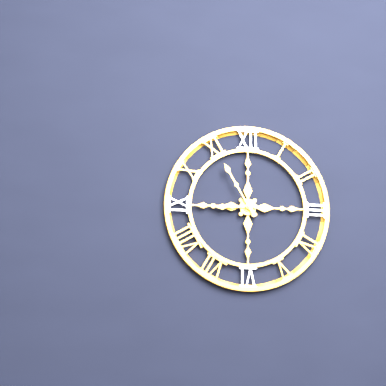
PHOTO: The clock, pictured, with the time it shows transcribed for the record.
8:55
